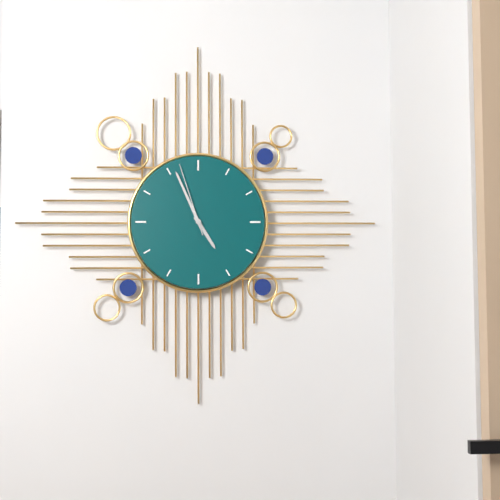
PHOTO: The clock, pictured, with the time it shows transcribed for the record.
4:56:57
